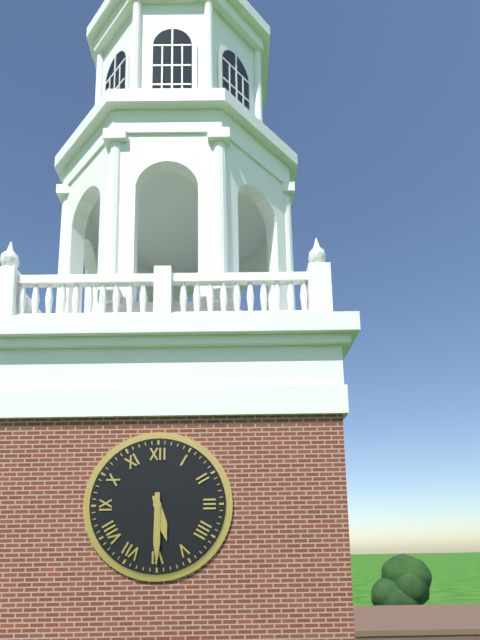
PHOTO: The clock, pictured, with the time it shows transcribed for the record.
5:30
